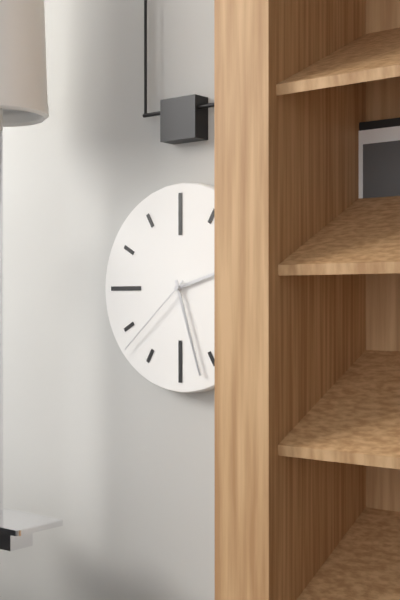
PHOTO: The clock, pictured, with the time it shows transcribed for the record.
2:27:38
